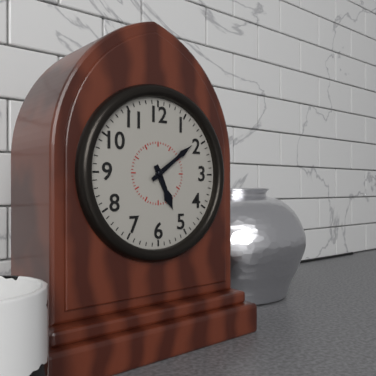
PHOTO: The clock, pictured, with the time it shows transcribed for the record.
5:09
